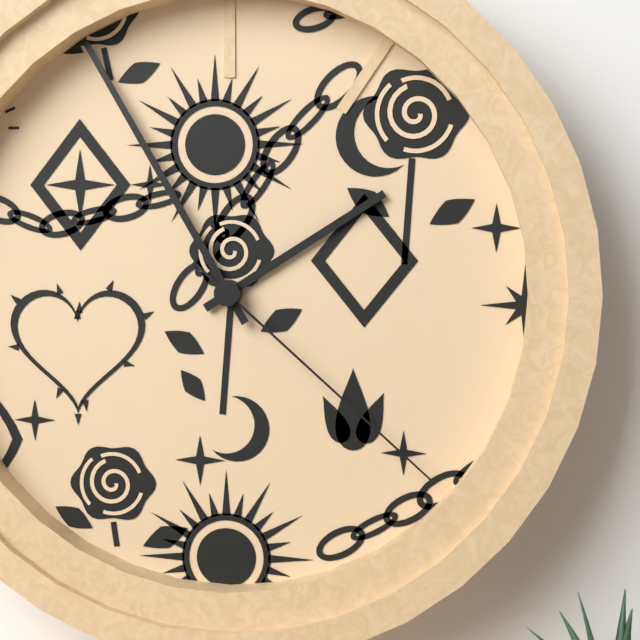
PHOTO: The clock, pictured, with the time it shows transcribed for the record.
1:55:22
